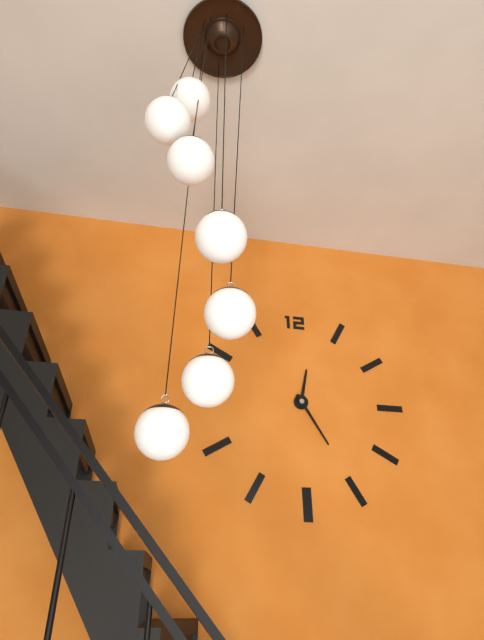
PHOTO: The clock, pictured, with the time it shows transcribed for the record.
12:25
